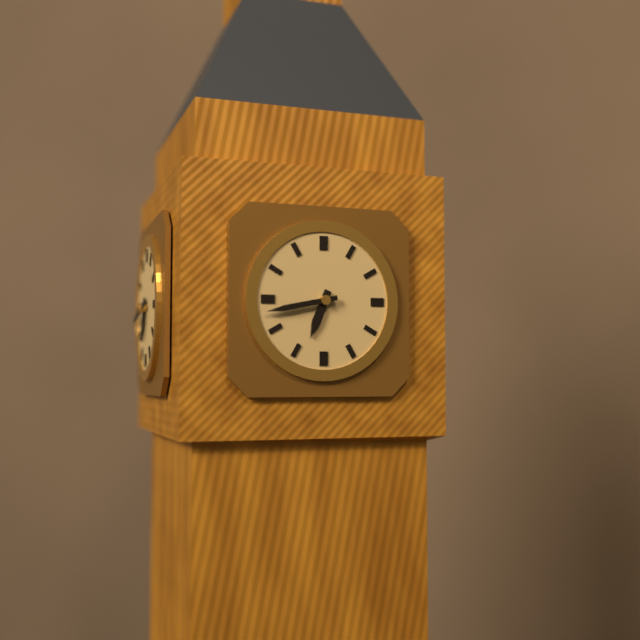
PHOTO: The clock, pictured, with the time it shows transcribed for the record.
6:43
